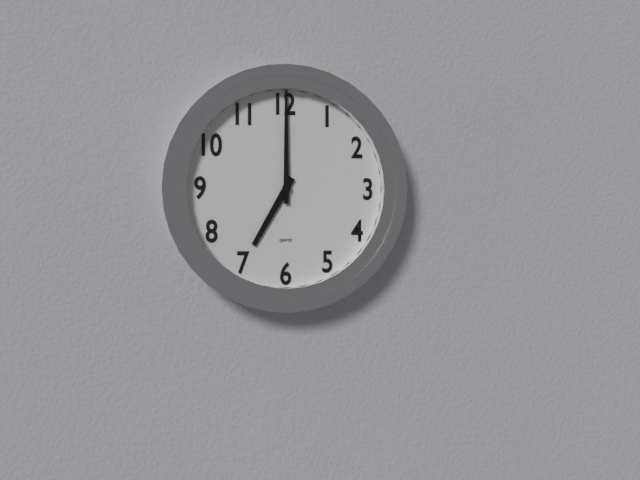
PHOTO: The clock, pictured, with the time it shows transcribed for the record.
7:00
